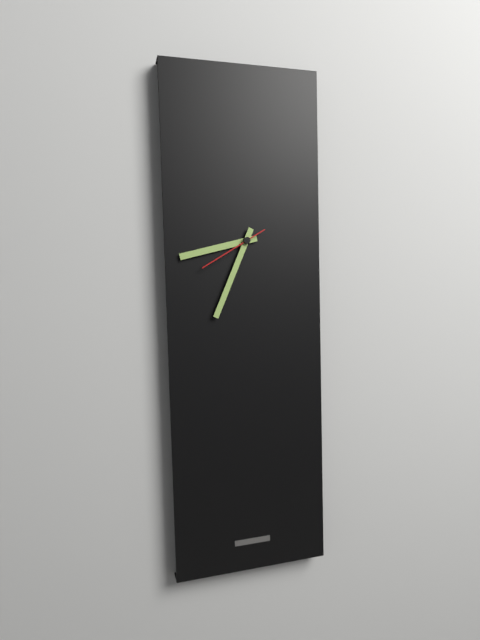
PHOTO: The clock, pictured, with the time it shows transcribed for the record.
8:34:40
